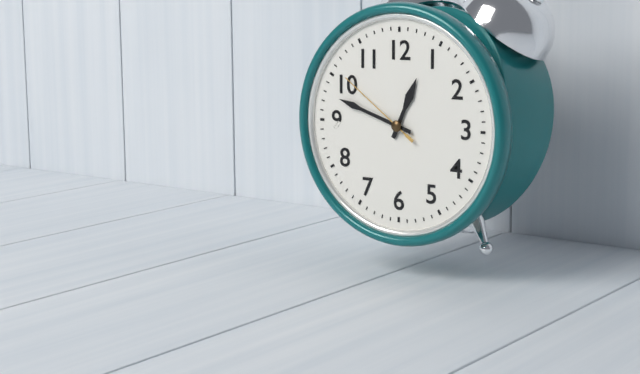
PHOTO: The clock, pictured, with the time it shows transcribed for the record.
12:48:51
